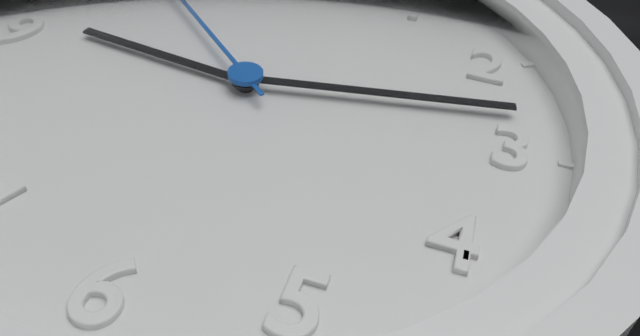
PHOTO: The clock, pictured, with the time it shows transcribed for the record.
9:13
